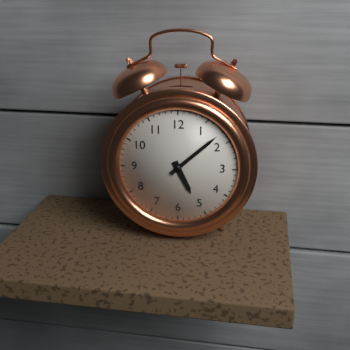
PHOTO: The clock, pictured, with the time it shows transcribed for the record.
5:08
